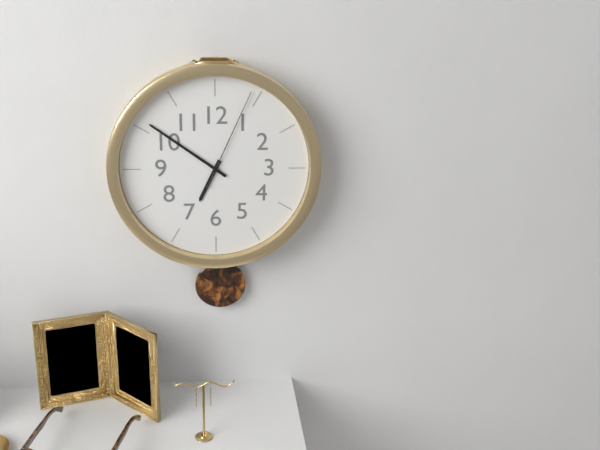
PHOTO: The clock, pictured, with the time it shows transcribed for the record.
6:51:04
